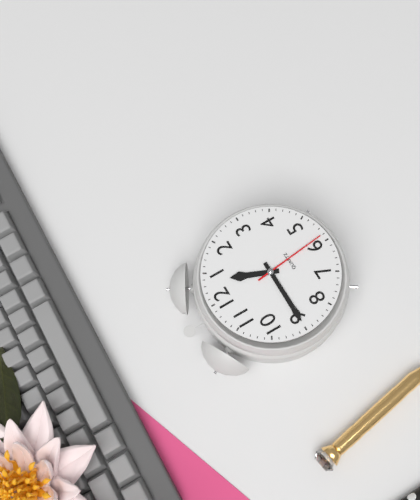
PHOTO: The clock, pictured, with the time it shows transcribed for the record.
12:45:29
